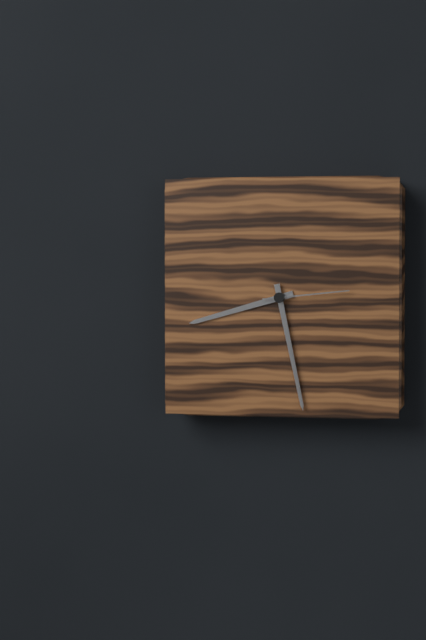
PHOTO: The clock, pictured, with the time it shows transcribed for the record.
8:28:14
